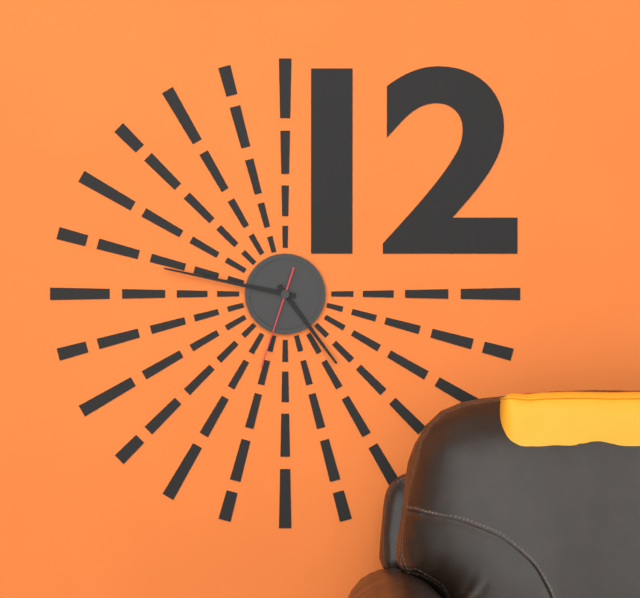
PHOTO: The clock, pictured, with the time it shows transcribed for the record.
4:47:33
